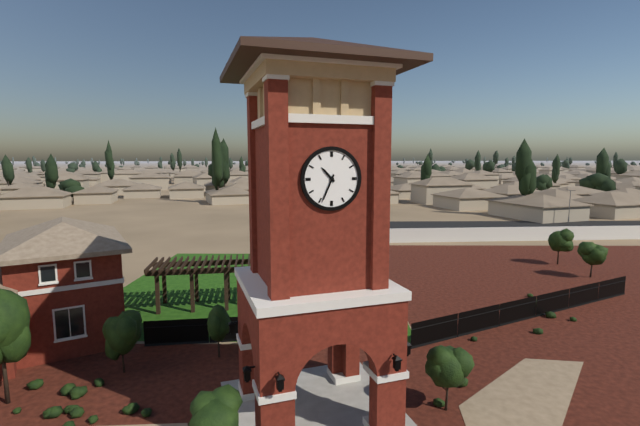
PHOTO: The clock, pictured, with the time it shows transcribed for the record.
10:34
